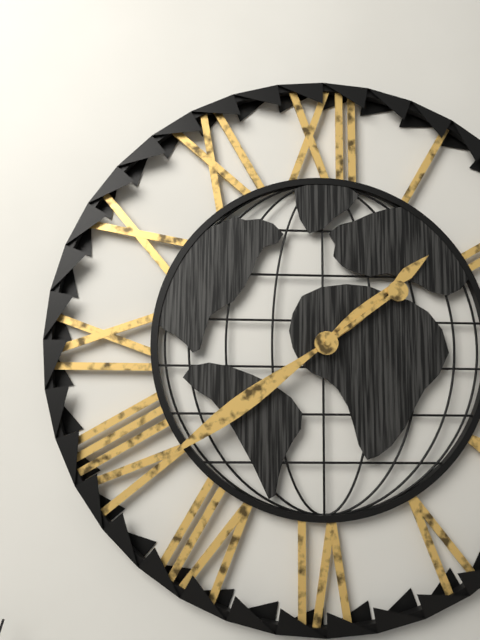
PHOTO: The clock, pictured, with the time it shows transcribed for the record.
1:39
